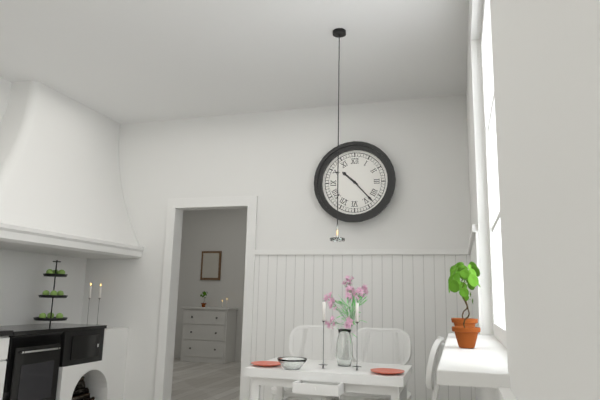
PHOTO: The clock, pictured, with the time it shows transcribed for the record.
10:23
